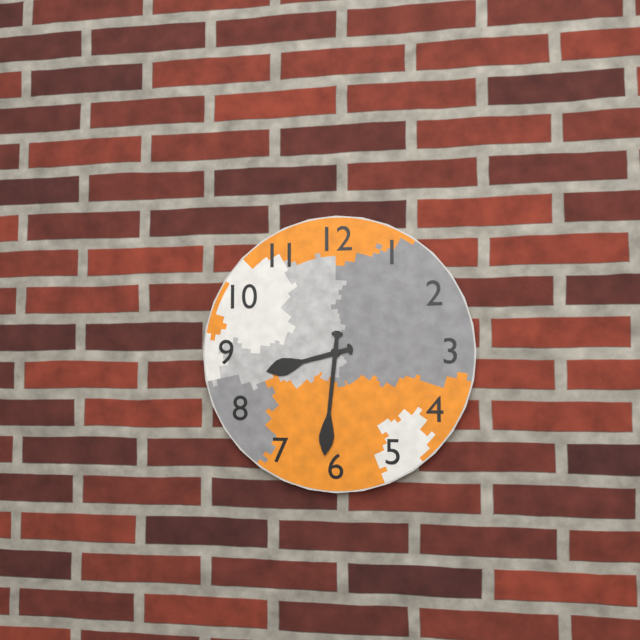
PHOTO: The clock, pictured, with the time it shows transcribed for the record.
8:31
